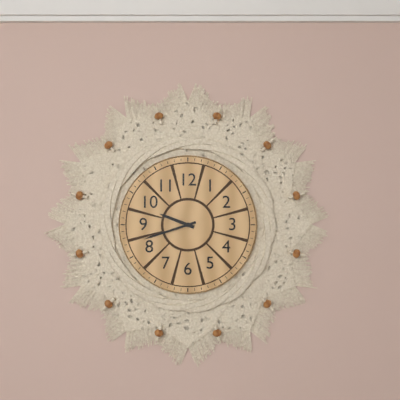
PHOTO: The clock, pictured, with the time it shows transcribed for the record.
9:42
